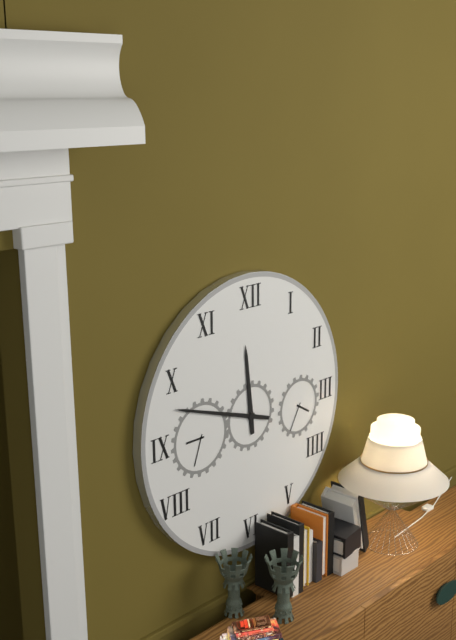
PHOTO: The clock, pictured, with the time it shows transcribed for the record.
11:48
